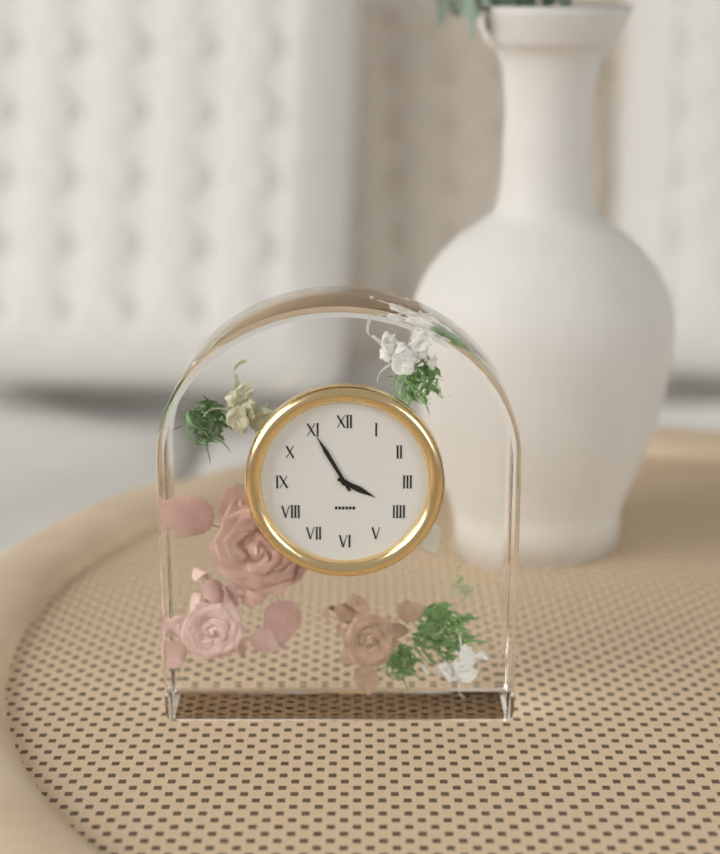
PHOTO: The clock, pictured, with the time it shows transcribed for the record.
3:55
